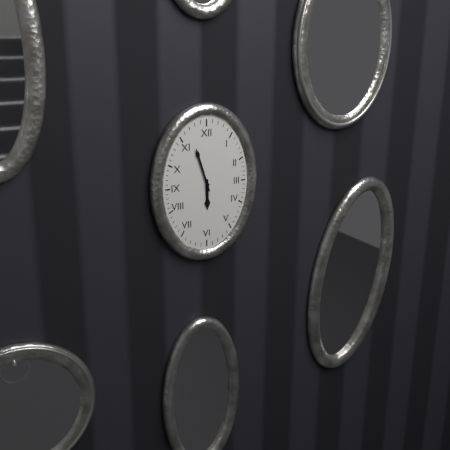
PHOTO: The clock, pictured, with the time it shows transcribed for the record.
5:57
